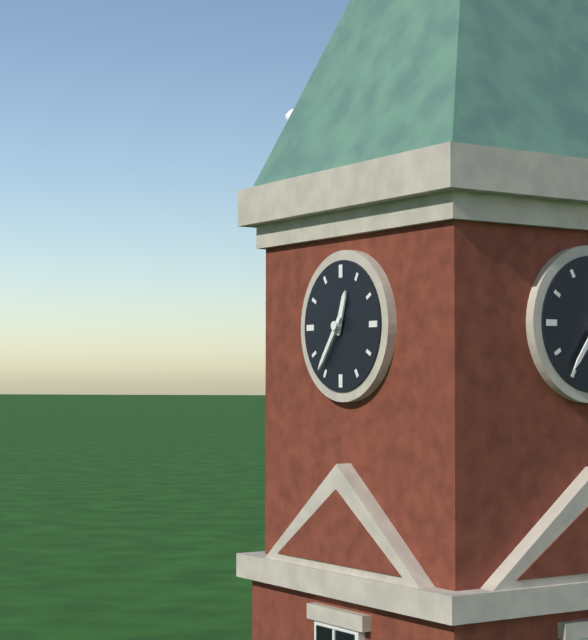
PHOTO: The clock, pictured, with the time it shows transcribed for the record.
12:36
